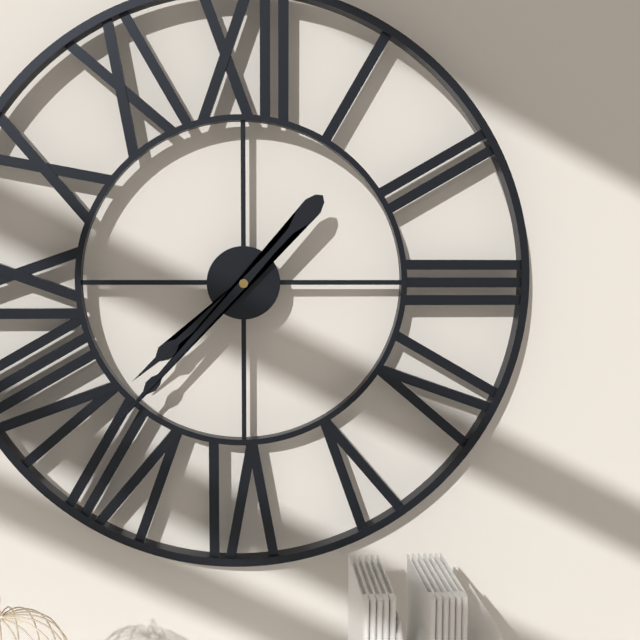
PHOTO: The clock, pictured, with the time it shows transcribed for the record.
7:37
